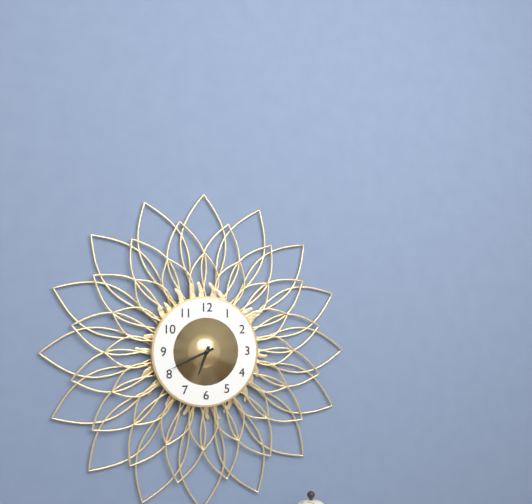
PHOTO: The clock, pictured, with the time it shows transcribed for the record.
6:41
